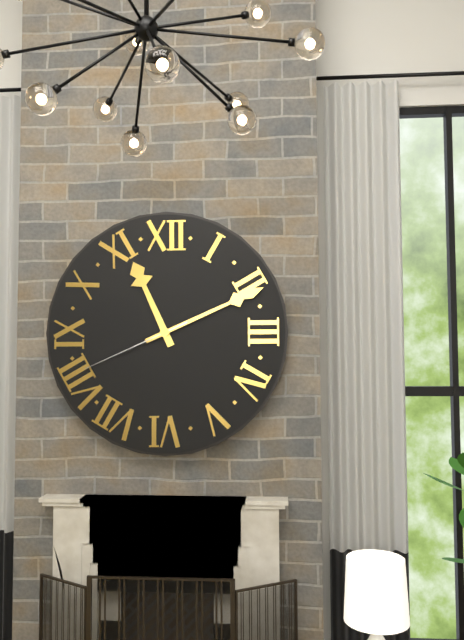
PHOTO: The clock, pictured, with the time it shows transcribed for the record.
11:11:41
